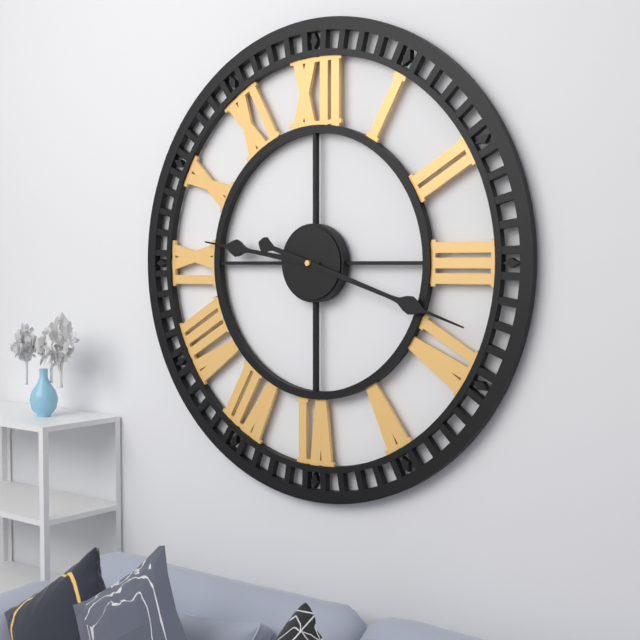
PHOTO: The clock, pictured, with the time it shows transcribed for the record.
9:18
